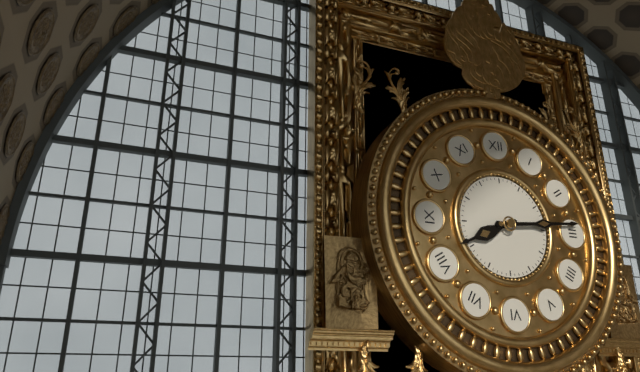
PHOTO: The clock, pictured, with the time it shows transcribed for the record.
8:14
